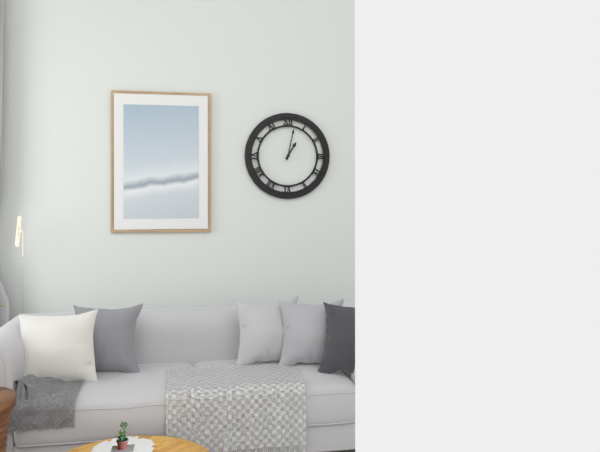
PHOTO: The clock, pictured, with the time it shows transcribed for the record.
1:02
